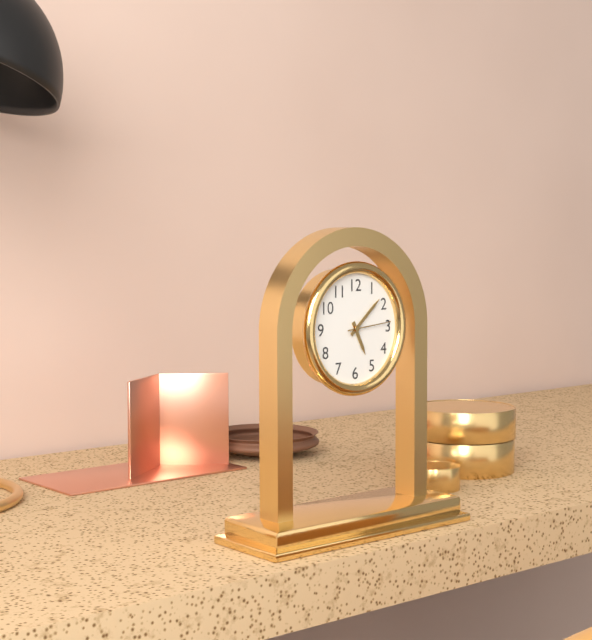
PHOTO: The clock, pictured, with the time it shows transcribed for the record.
5:08
